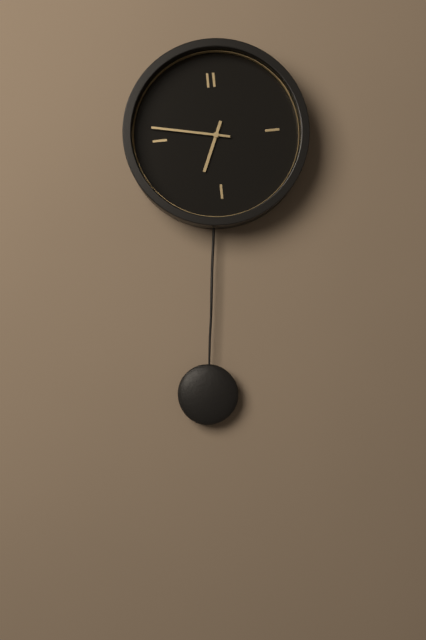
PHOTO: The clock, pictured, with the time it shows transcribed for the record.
6:47
